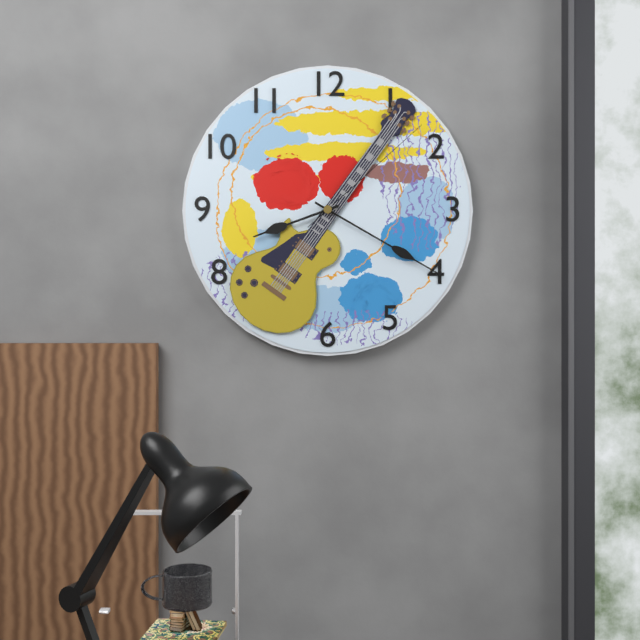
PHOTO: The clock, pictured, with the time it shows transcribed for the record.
8:20:08
